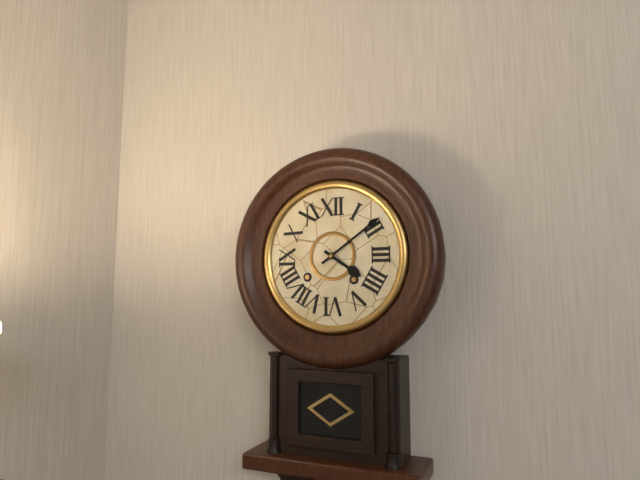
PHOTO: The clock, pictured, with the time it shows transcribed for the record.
4:09
